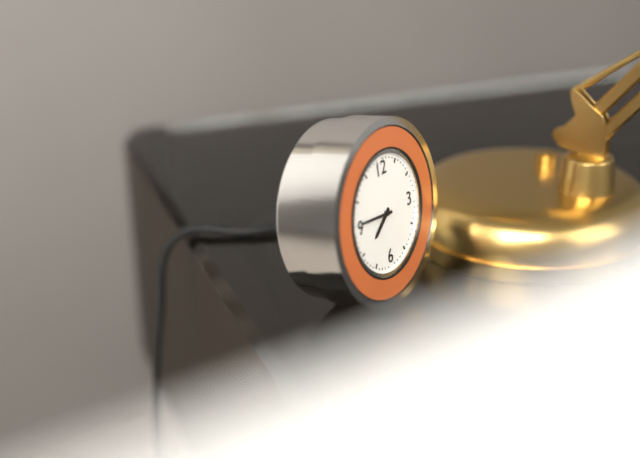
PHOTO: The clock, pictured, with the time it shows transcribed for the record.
7:46
